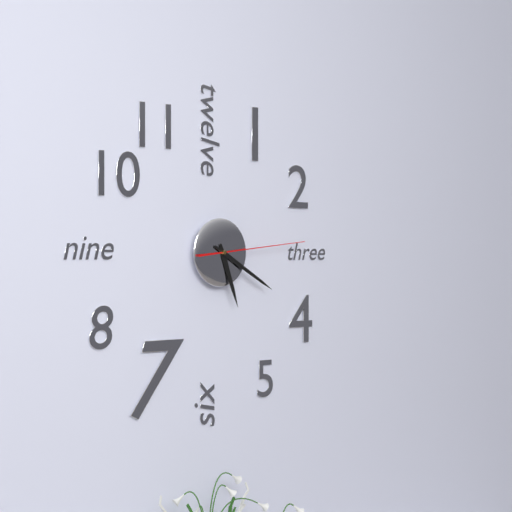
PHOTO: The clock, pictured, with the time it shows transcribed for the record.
5:20:14
